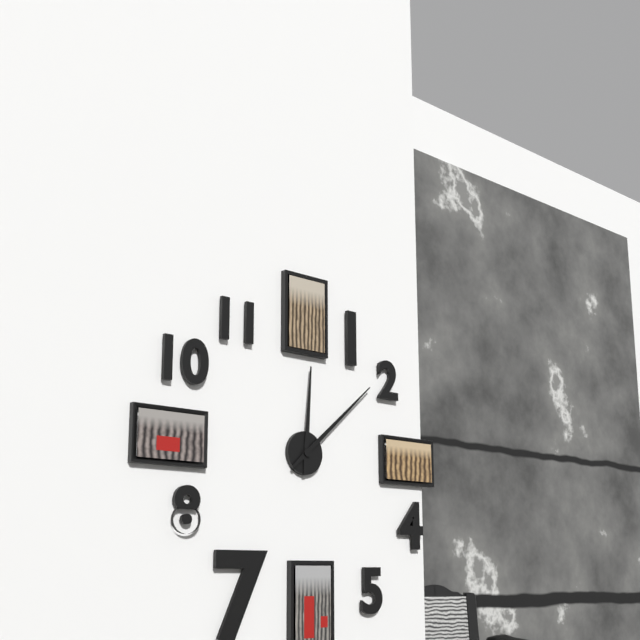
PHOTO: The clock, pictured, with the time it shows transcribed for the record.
12:08
